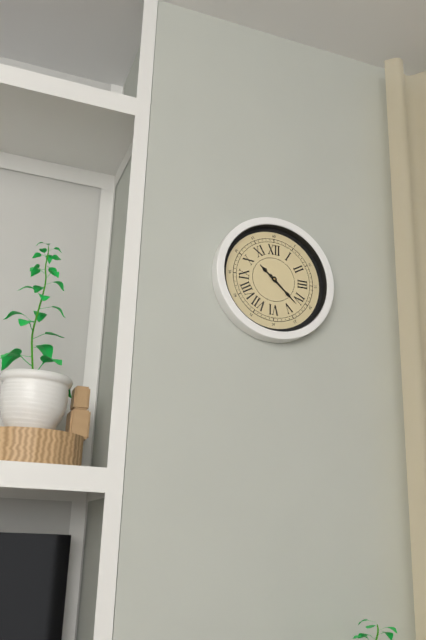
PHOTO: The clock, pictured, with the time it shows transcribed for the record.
10:22
